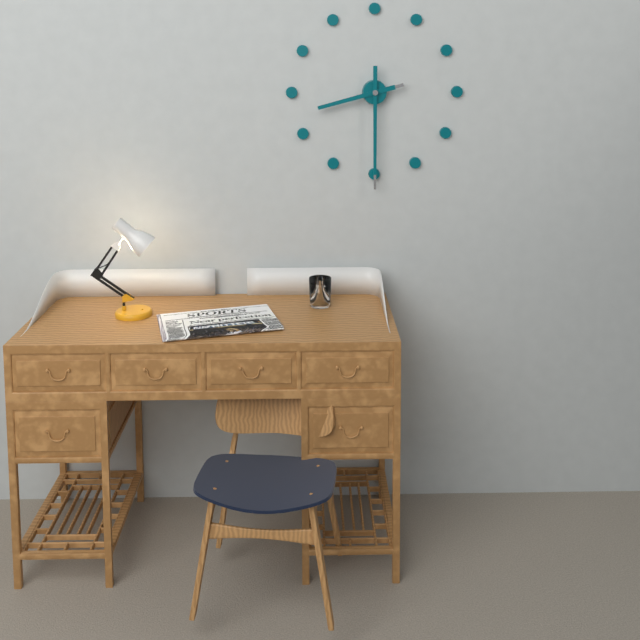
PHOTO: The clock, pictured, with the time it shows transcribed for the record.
8:30
